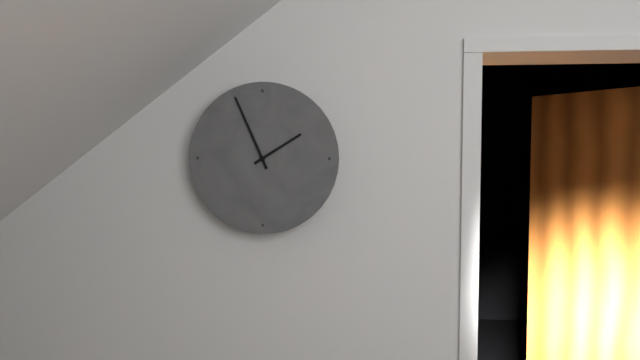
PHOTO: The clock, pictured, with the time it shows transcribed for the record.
1:56
